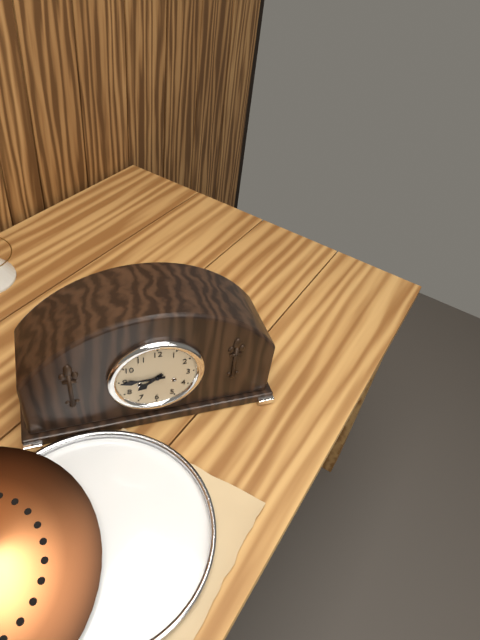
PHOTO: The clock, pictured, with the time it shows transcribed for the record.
7:45
